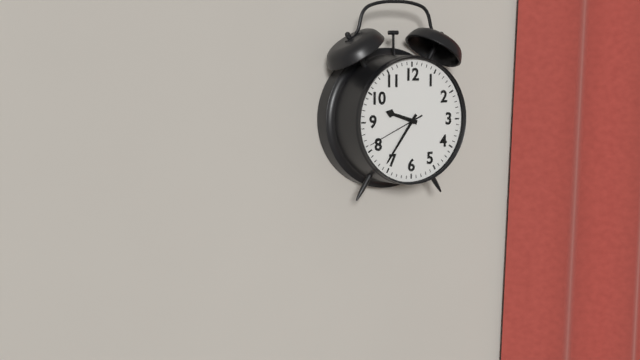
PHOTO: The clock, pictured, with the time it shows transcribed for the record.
9:36:41
